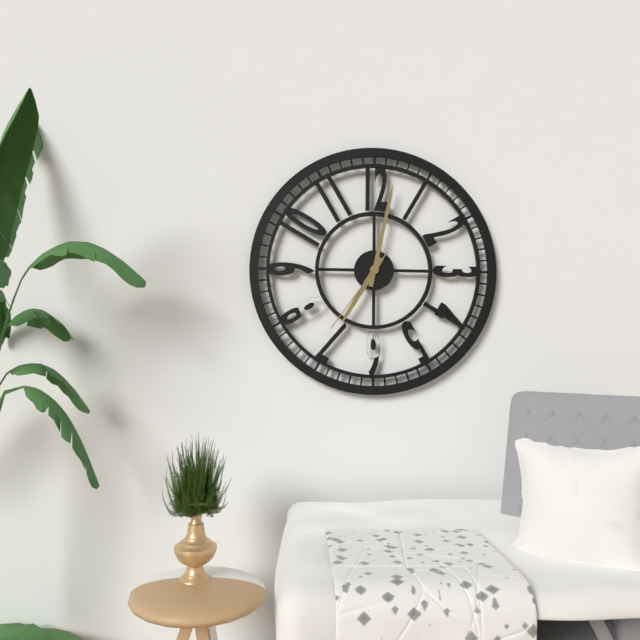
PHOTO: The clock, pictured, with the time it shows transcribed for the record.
7:02:36
